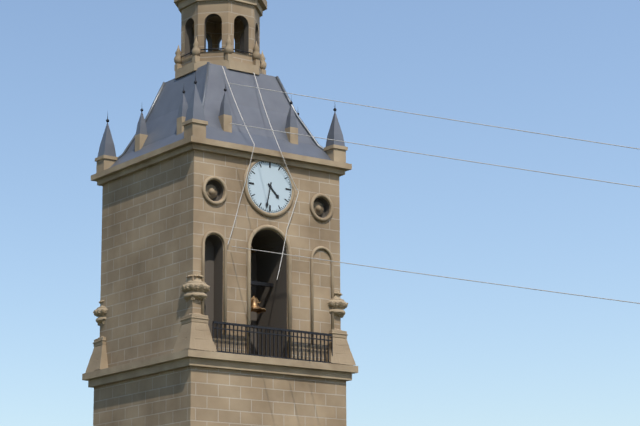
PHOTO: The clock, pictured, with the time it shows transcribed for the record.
4:32
